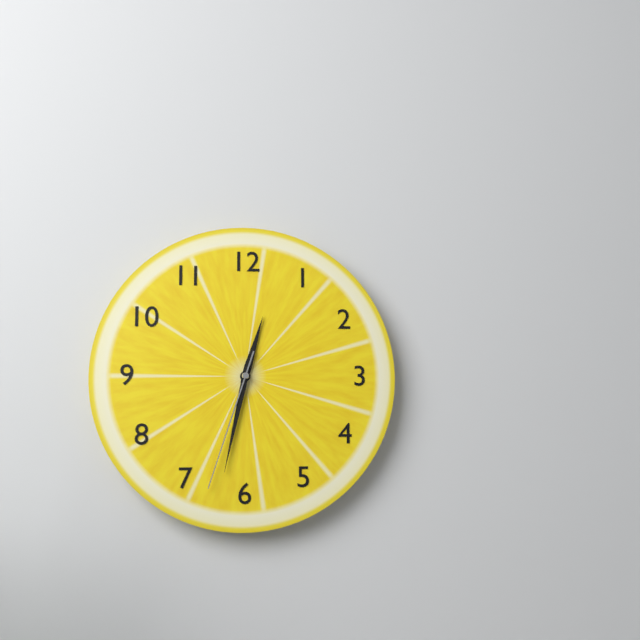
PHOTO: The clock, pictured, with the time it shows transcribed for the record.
12:32:33
